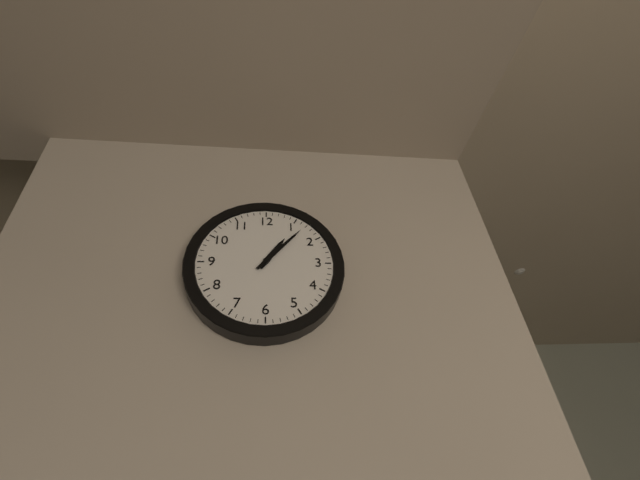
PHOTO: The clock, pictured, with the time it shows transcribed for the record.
1:07
